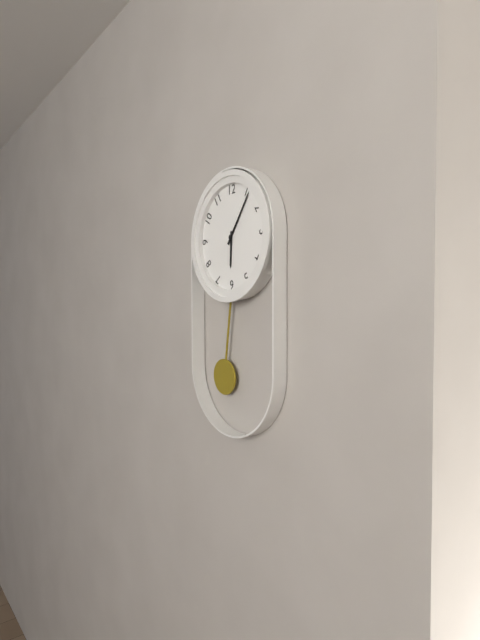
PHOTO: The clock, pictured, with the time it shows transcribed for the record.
6:06
